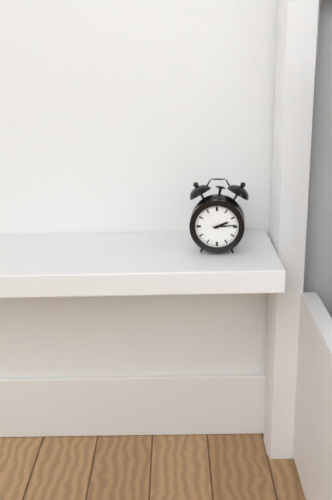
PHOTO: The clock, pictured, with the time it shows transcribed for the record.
2:14
